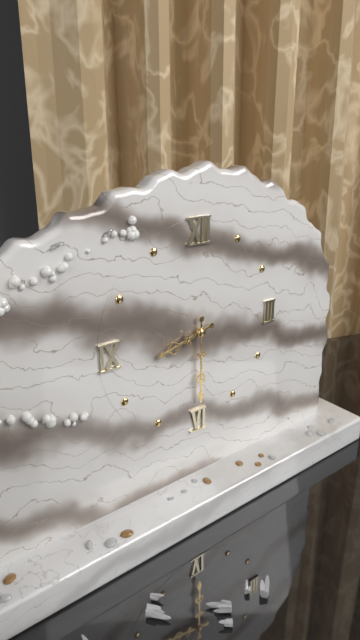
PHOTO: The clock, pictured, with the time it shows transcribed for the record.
8:30
